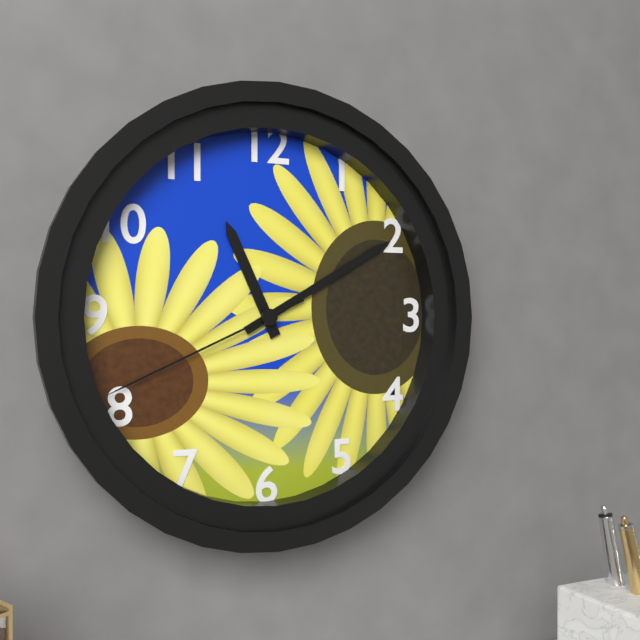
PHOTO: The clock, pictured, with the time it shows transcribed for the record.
11:10:41
